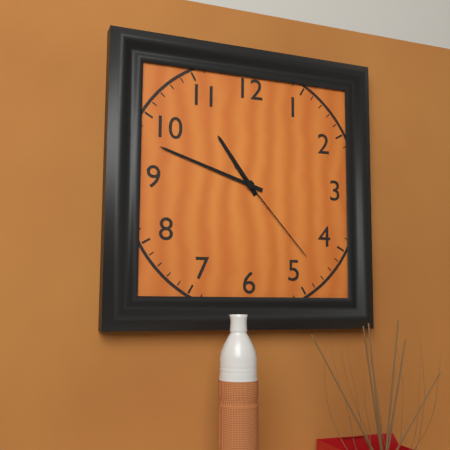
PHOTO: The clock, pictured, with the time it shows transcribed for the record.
10:48:23
